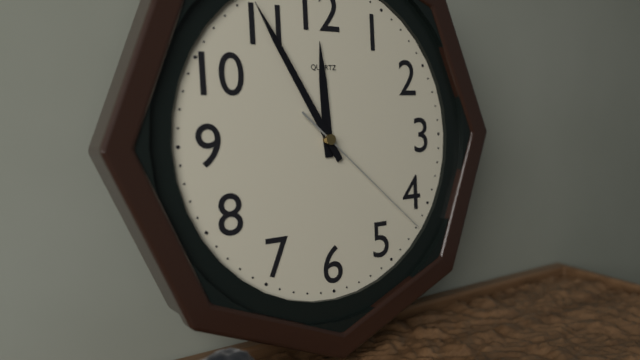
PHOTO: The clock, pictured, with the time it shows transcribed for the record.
11:55:22
